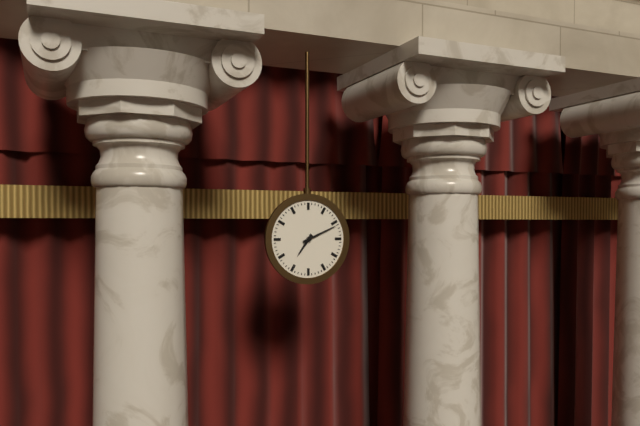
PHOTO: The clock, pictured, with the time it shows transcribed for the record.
7:11
